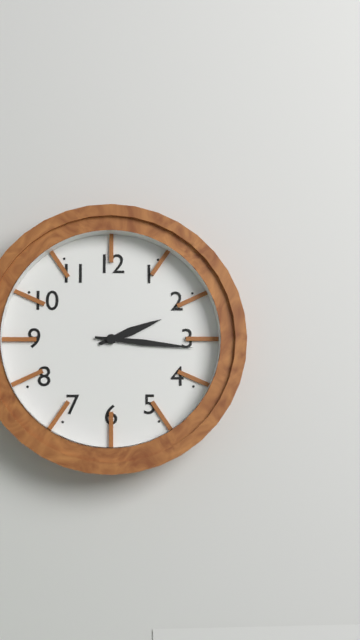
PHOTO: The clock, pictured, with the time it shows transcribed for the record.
2:16
